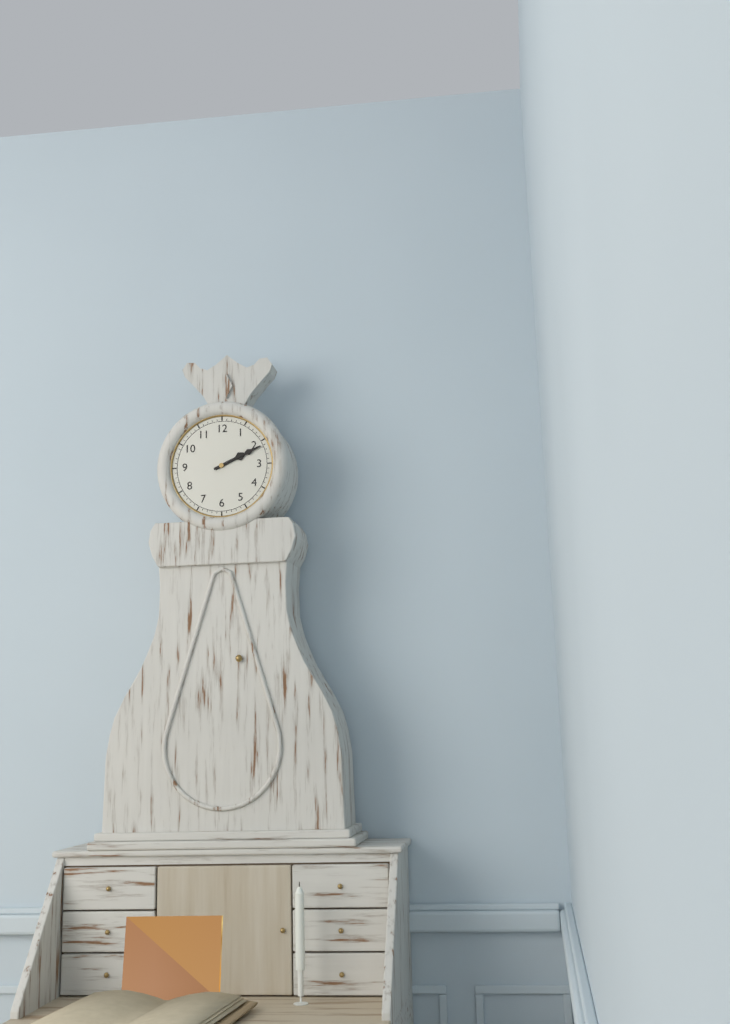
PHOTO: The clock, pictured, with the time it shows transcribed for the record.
2:11
